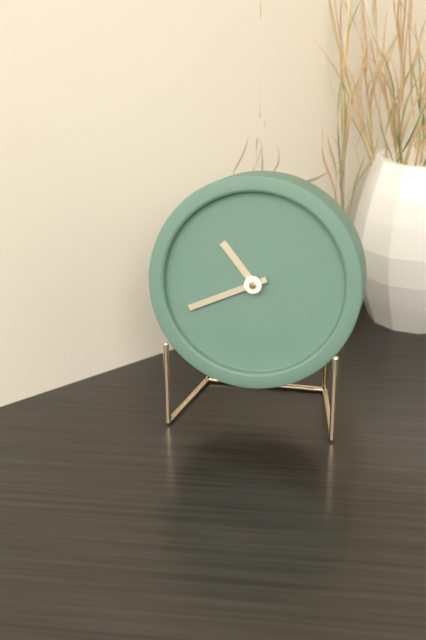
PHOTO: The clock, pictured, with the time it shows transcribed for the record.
10:41
